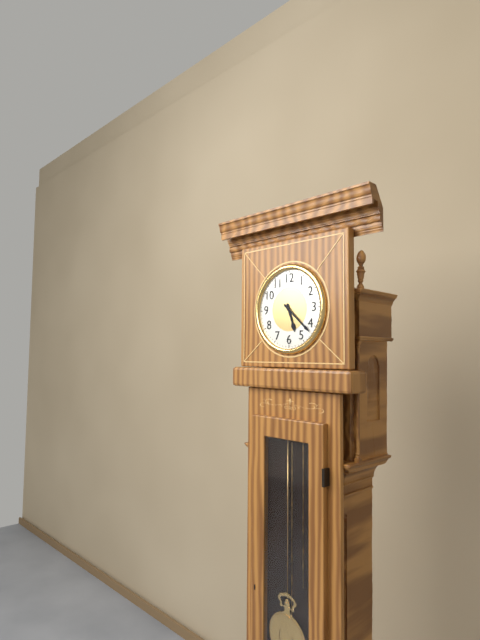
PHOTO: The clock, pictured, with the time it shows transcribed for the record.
5:22
